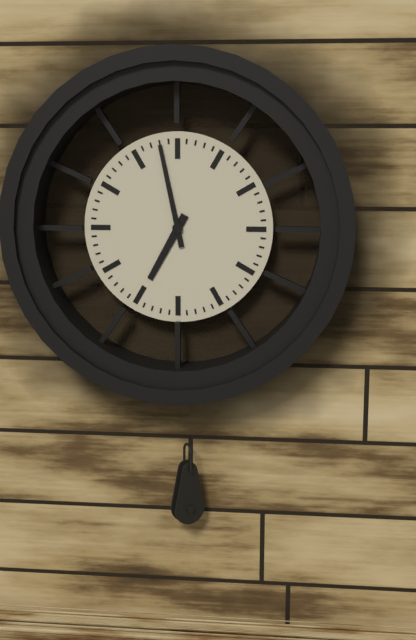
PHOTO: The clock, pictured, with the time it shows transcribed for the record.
6:58
